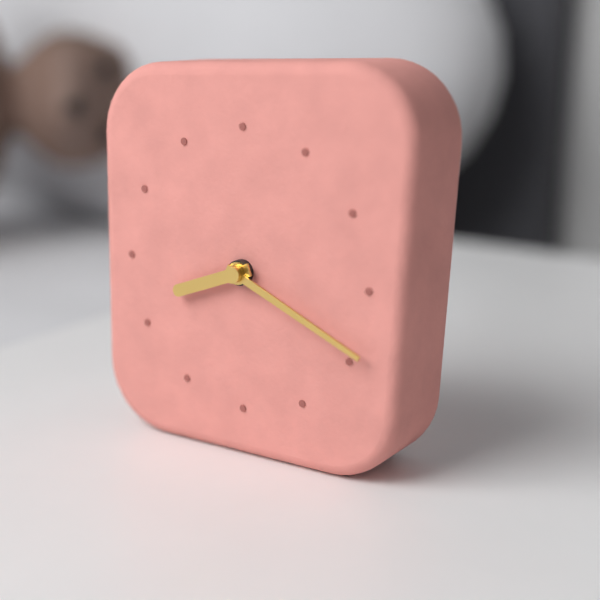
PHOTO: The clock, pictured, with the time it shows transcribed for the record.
8:19
